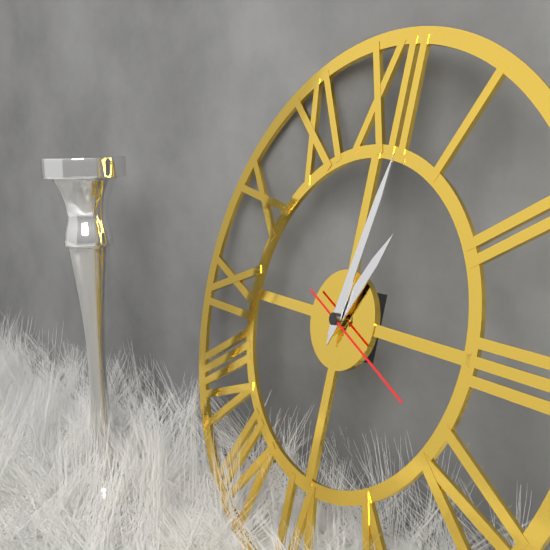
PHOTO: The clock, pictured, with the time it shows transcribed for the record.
1:02:19
